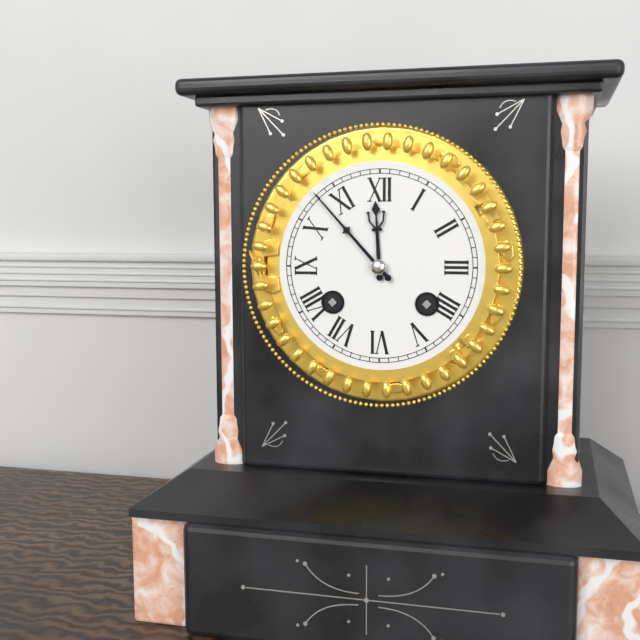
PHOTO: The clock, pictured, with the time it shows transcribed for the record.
11:53
